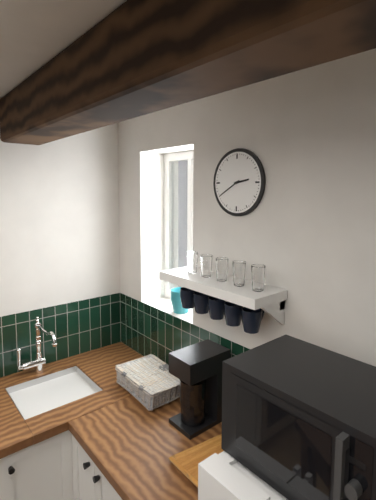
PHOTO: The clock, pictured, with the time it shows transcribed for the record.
2:40
